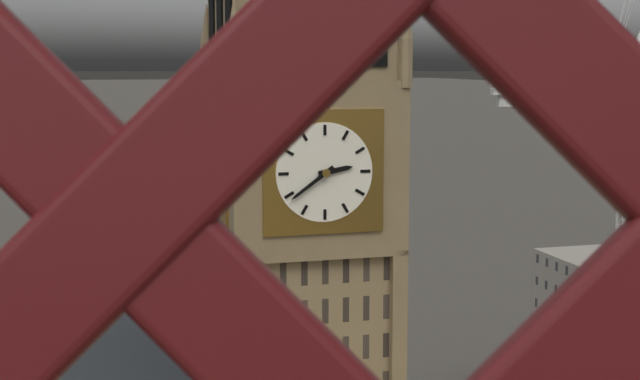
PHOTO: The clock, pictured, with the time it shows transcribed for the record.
2:39
